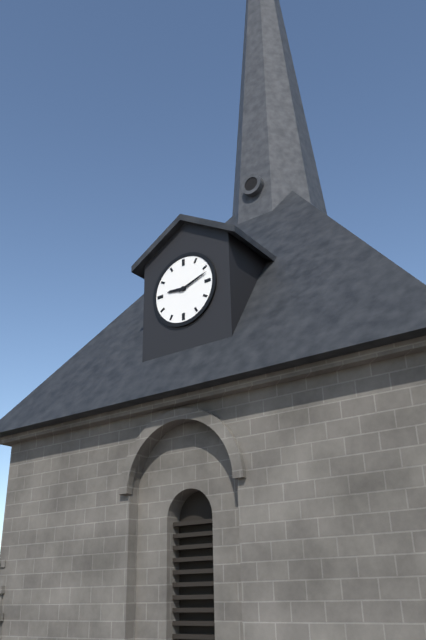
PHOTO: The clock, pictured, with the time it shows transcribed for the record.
9:12
